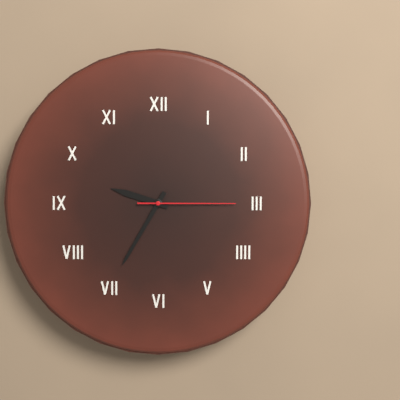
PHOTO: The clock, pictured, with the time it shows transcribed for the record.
9:35:15
